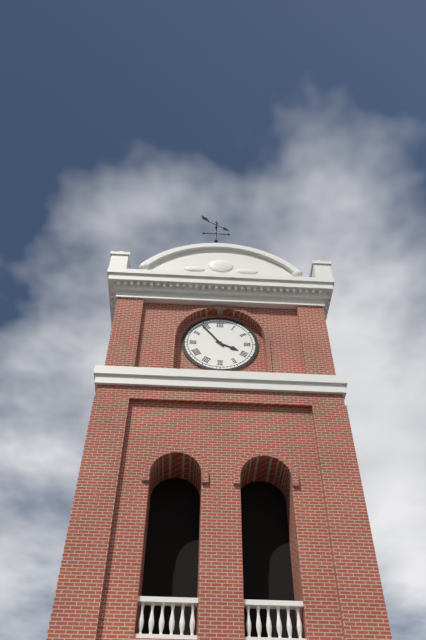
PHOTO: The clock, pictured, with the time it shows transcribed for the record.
3:54
